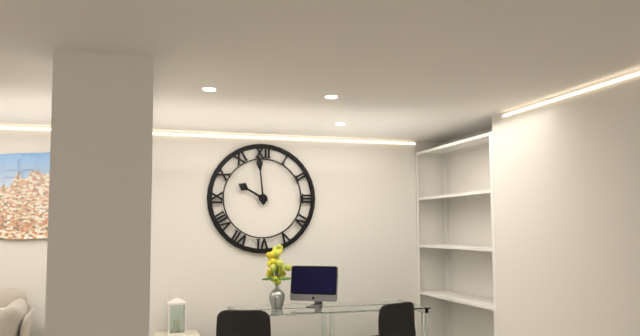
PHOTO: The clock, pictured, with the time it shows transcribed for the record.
9:59
